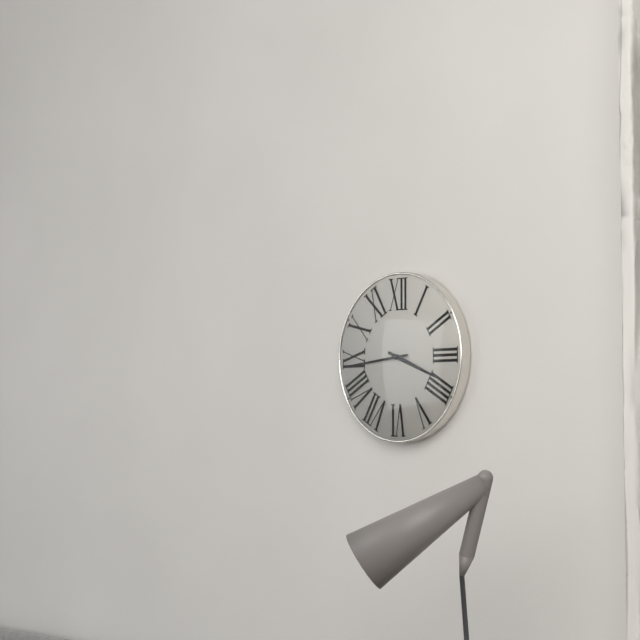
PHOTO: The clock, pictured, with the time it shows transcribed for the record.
3:44
